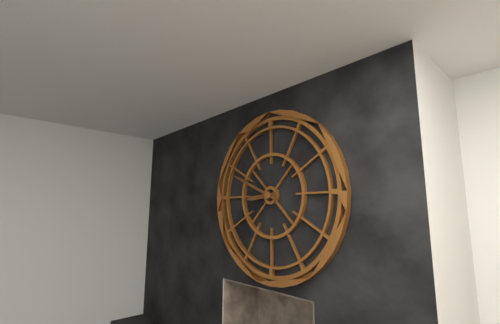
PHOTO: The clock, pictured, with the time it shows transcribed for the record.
8:49
